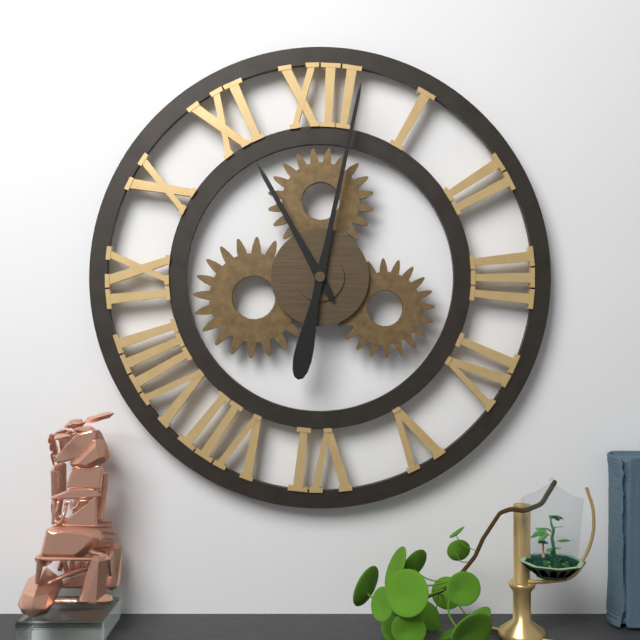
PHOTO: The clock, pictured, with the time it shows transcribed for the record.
11:02
